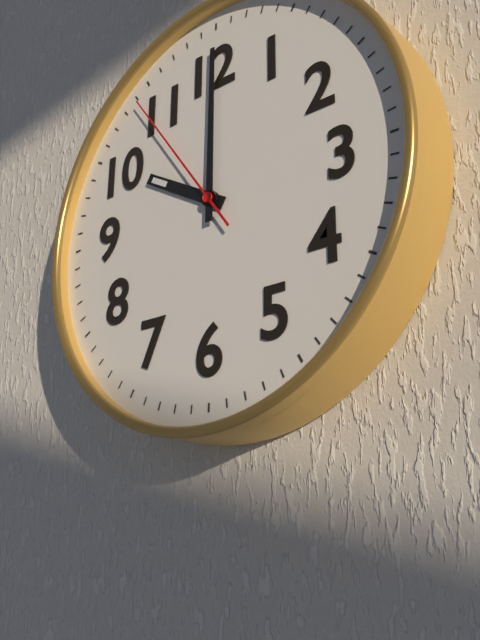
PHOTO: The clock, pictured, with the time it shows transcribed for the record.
10:00:54
